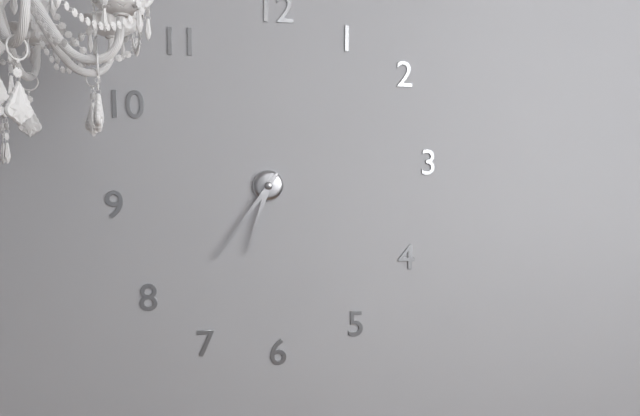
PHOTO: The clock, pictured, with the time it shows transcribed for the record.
6:36
